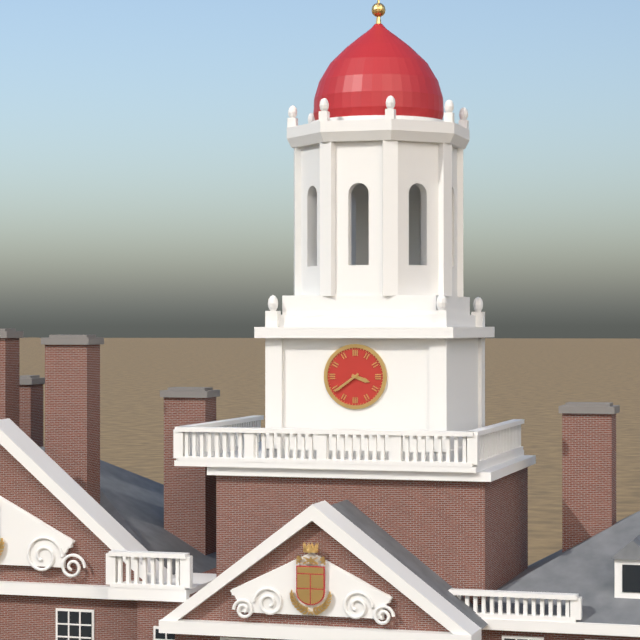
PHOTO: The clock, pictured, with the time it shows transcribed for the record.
3:39
